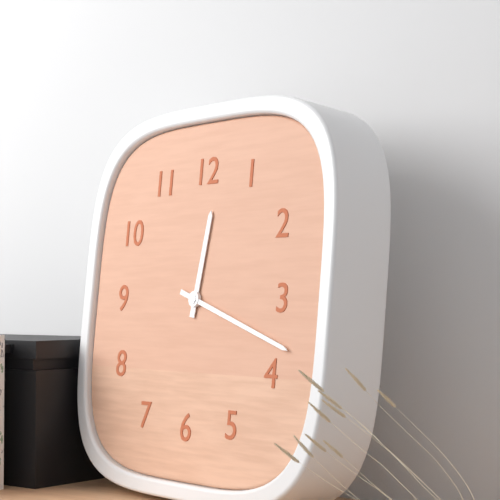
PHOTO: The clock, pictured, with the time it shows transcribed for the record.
12:18
